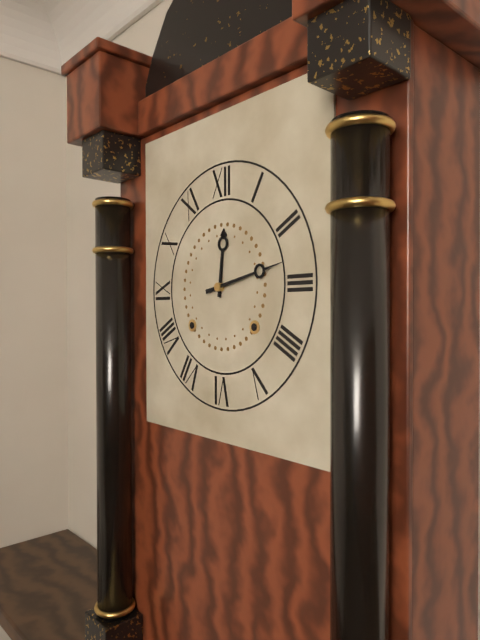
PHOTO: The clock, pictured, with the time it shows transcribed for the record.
12:13
